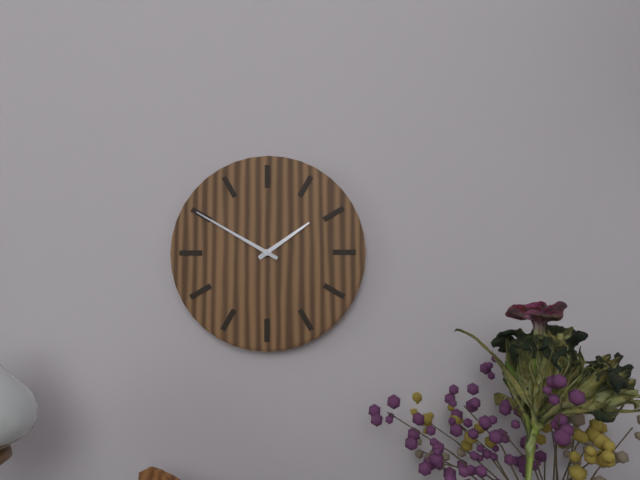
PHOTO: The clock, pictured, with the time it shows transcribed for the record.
1:50
